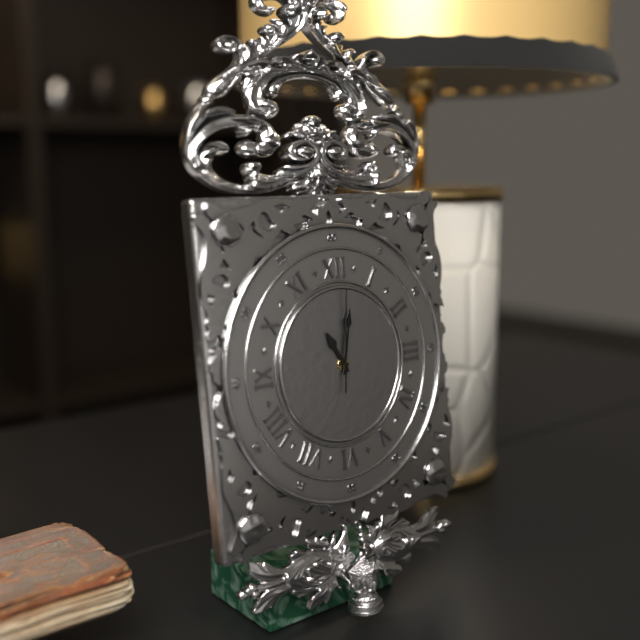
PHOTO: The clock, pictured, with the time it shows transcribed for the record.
11:02:01
